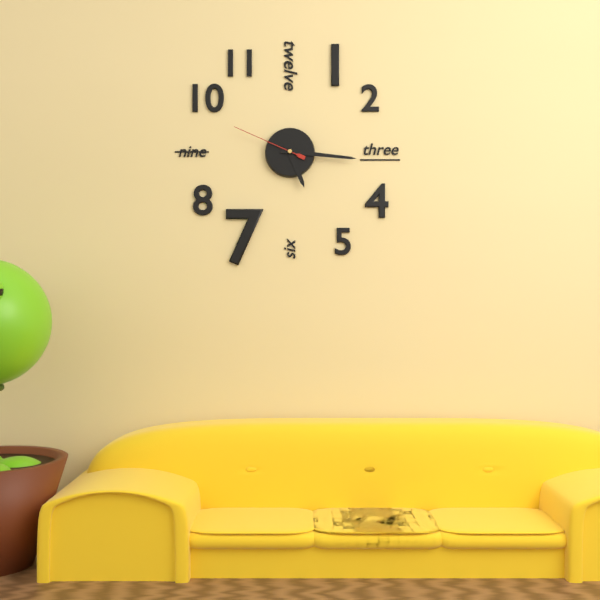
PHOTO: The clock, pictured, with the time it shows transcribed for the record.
5:16:49
